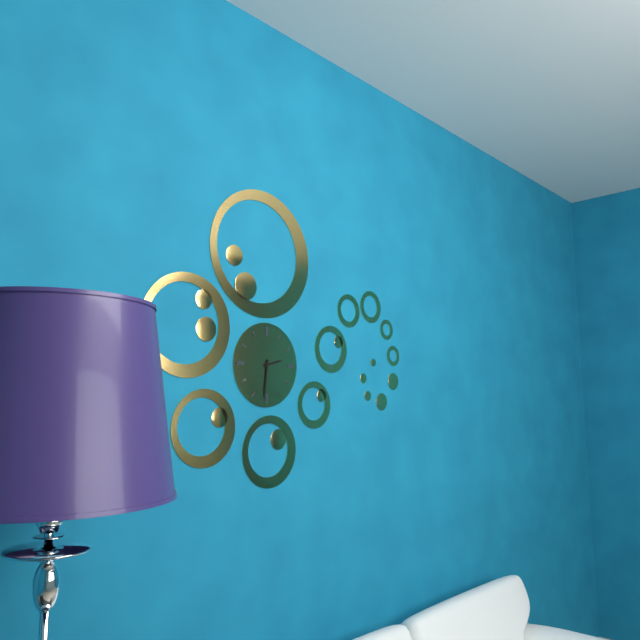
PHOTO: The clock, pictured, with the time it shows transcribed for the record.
2:31
